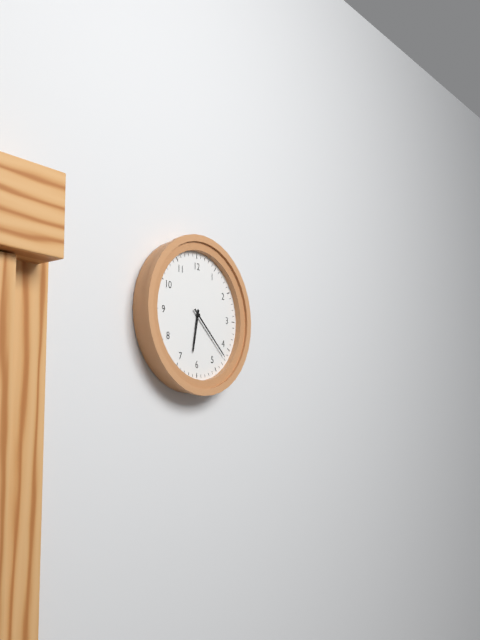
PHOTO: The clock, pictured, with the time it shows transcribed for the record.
6:22
